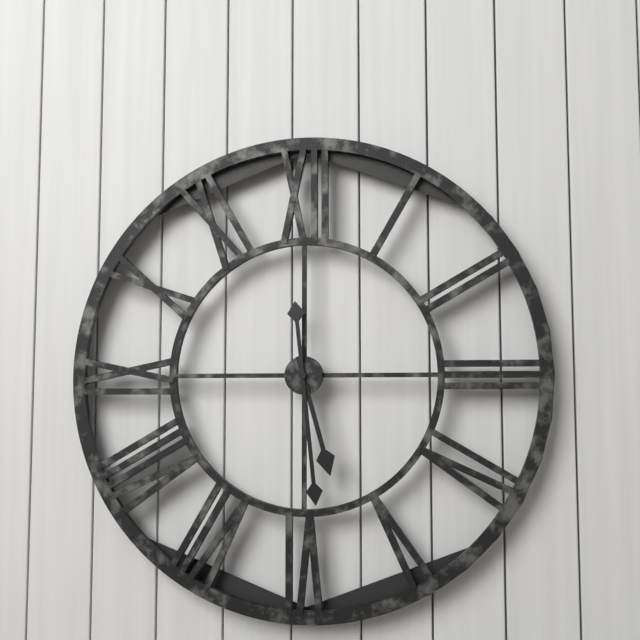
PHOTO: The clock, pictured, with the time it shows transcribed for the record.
5:29
